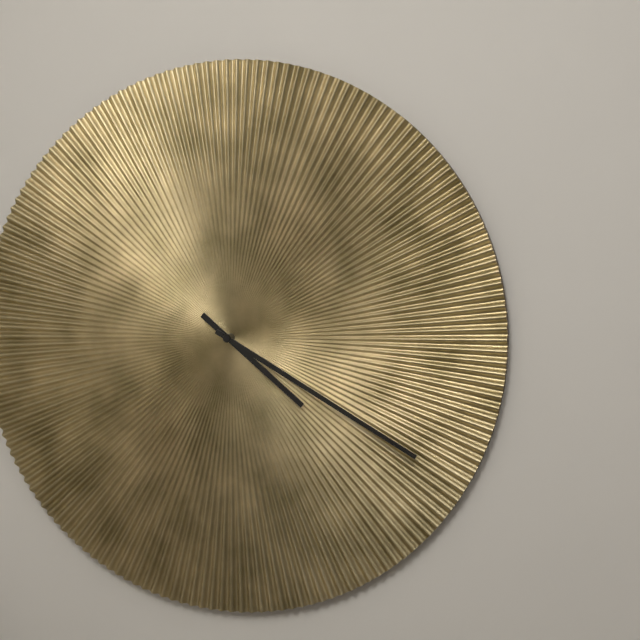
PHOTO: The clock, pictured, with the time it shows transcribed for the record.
4:20
